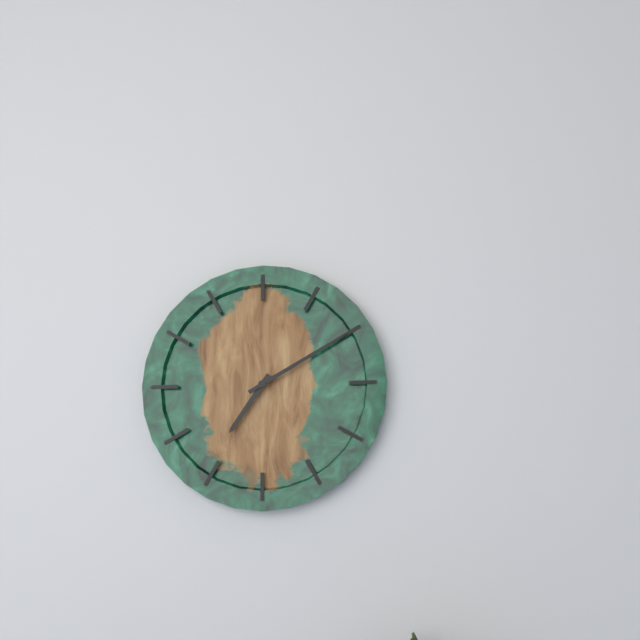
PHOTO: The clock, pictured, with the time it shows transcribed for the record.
7:10
